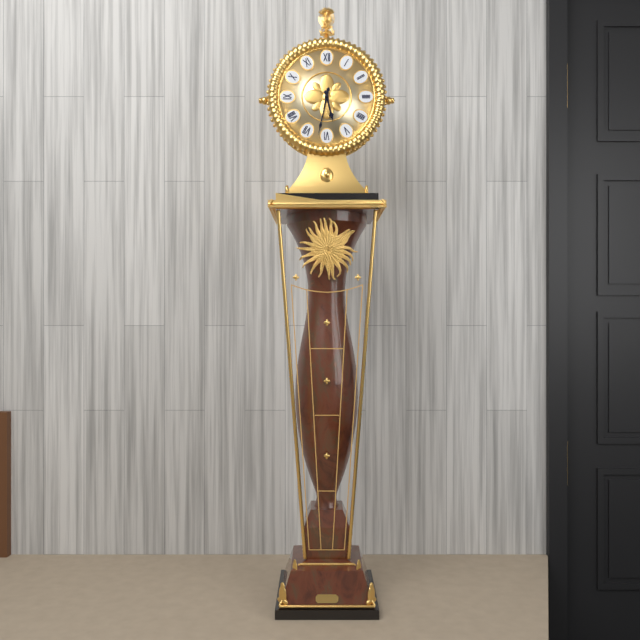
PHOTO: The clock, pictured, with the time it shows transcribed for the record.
5:32
